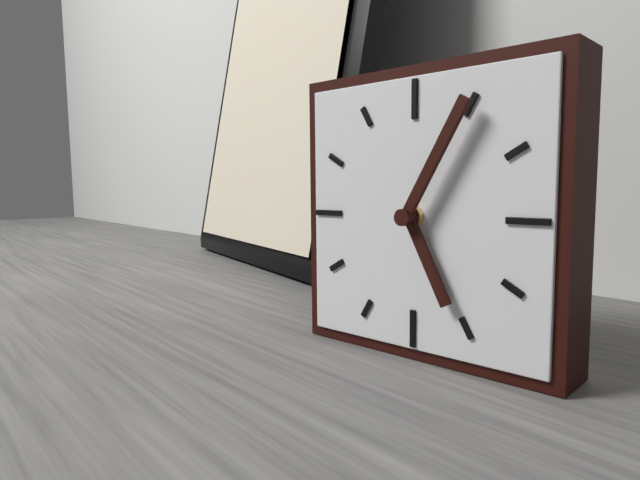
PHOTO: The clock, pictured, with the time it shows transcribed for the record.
5:05
